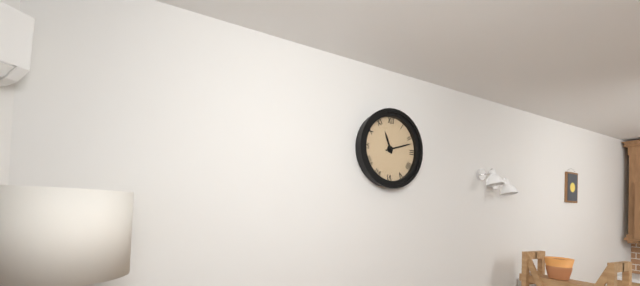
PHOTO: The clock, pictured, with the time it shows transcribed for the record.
11:12
